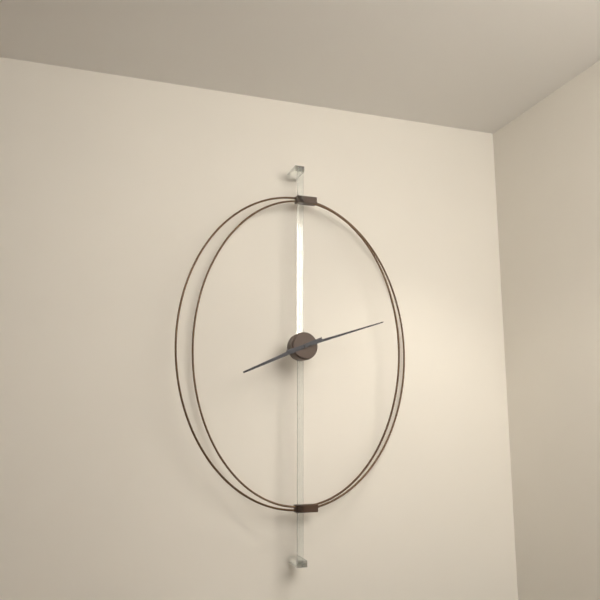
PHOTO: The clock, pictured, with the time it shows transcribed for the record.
8:12
